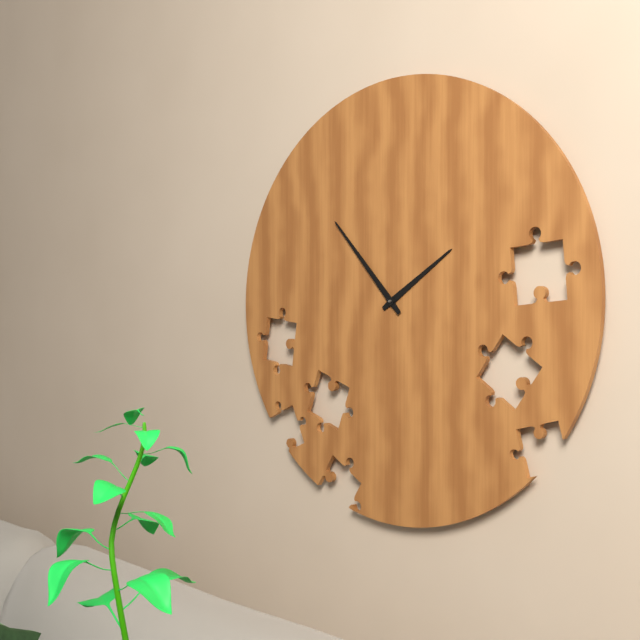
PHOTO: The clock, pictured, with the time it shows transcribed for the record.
1:53
